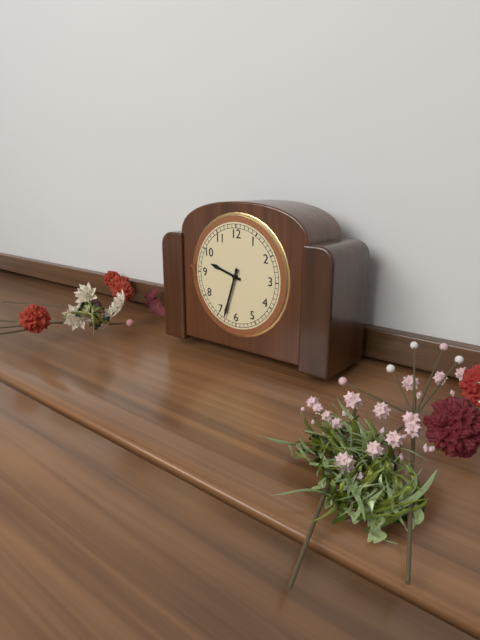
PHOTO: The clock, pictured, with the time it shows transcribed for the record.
9:33
